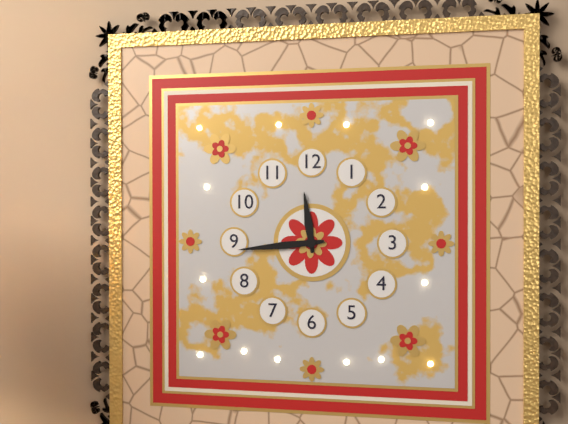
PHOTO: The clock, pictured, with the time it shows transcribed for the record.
11:44
